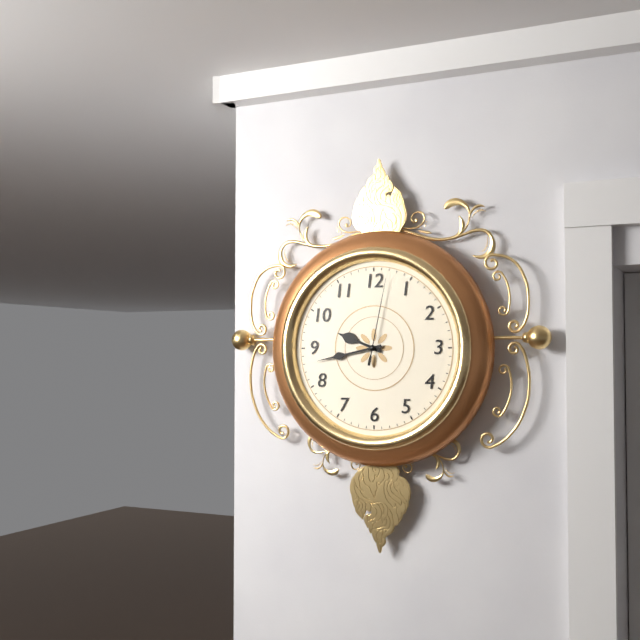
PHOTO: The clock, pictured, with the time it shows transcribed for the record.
9:43:02
